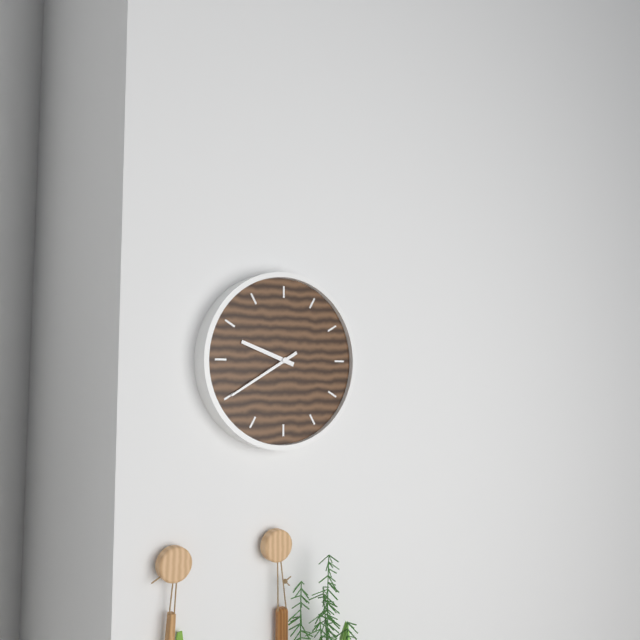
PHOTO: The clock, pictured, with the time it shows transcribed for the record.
9:40
